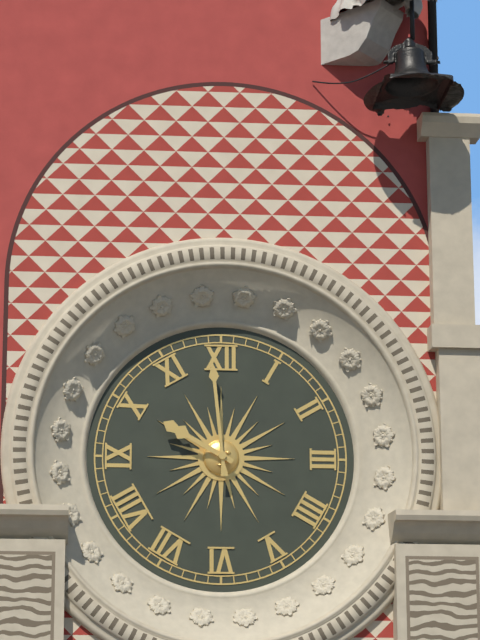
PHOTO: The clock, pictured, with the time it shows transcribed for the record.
9:59
